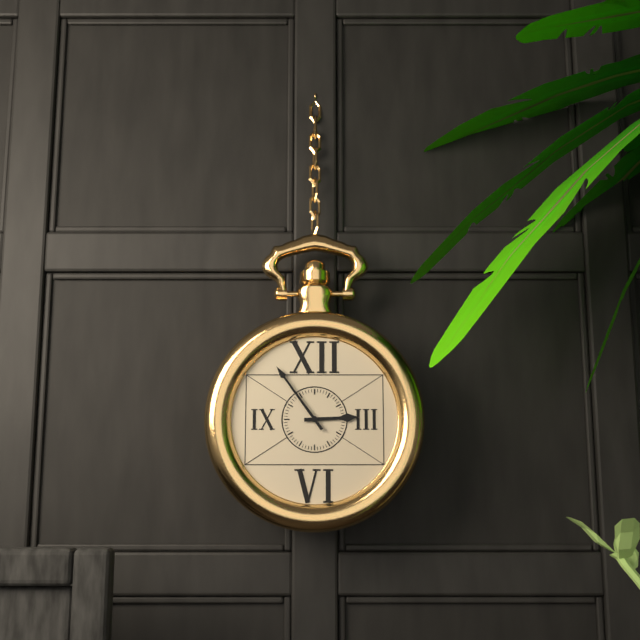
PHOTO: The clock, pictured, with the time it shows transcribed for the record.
2:54
